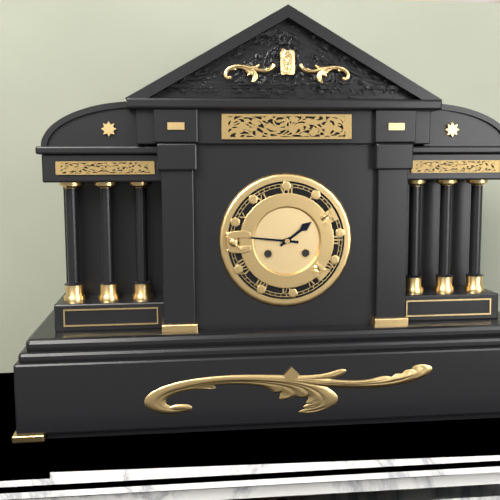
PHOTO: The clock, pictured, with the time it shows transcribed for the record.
1:46
